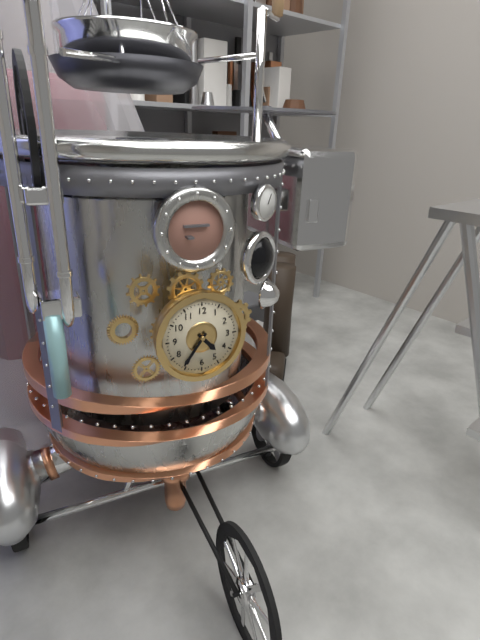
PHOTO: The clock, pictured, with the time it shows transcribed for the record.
4:36
